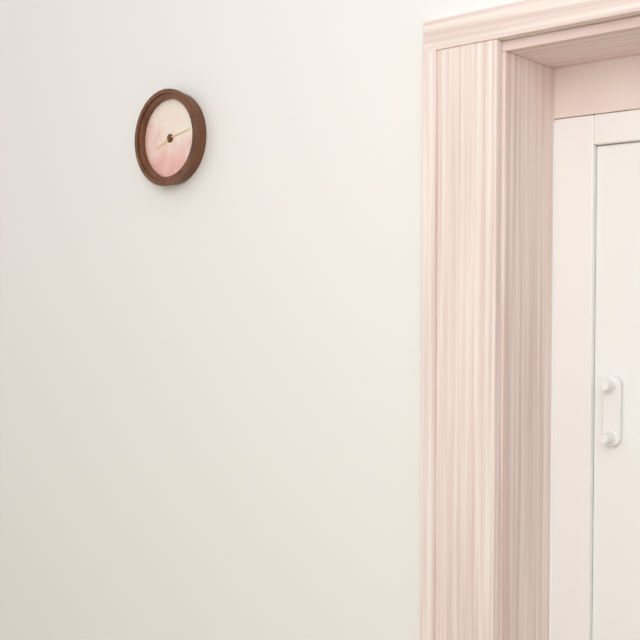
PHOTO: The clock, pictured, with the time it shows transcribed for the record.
8:13
